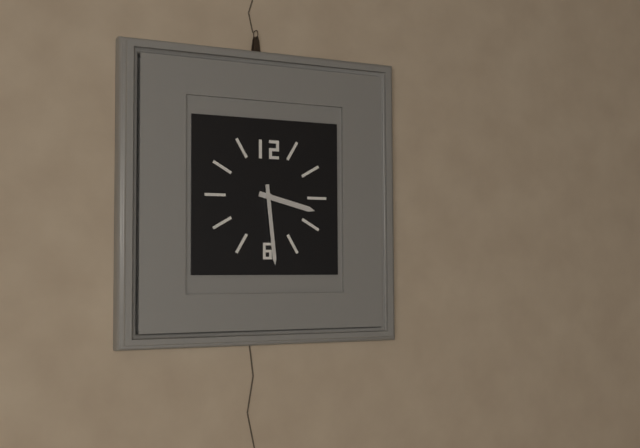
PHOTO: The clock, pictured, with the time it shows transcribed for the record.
3:29
